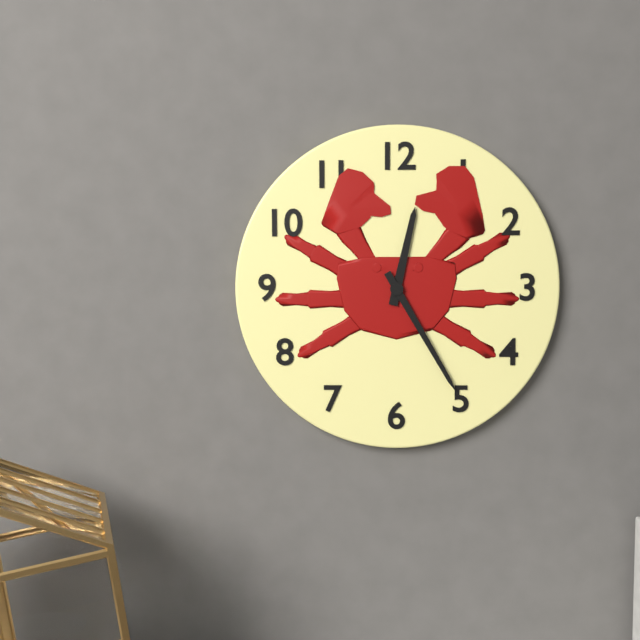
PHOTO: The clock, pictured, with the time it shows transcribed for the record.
12:25
